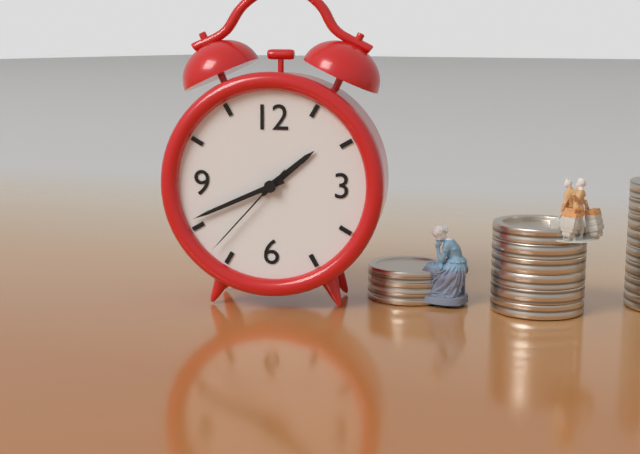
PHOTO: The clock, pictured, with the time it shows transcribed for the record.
1:41:37
